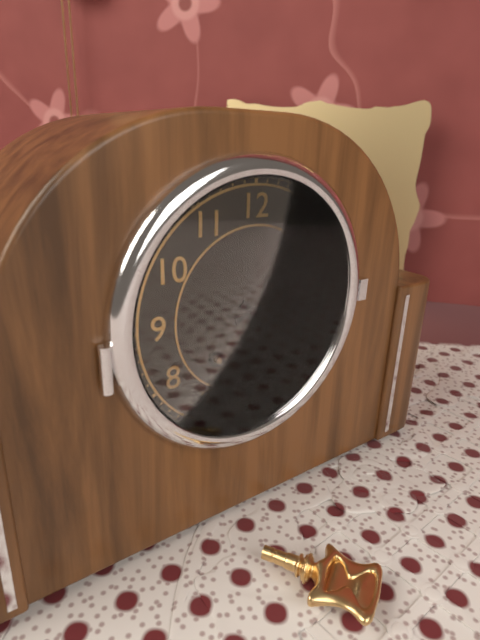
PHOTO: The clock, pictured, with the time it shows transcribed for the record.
4:13
